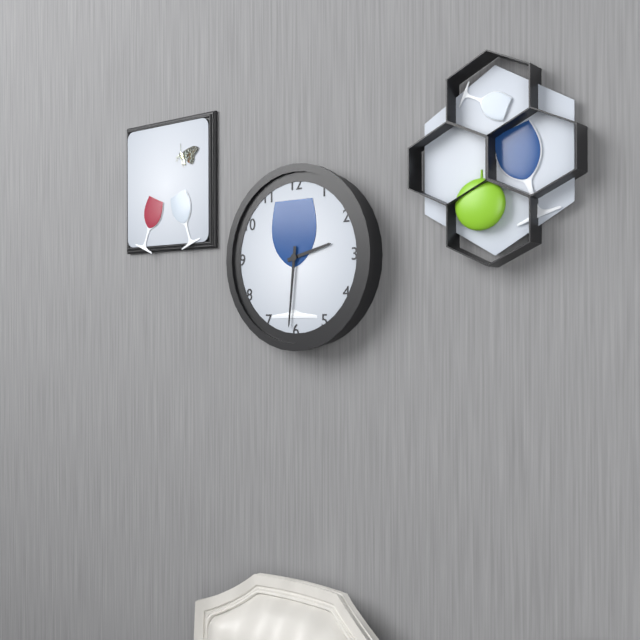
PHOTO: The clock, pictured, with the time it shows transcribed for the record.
2:31
